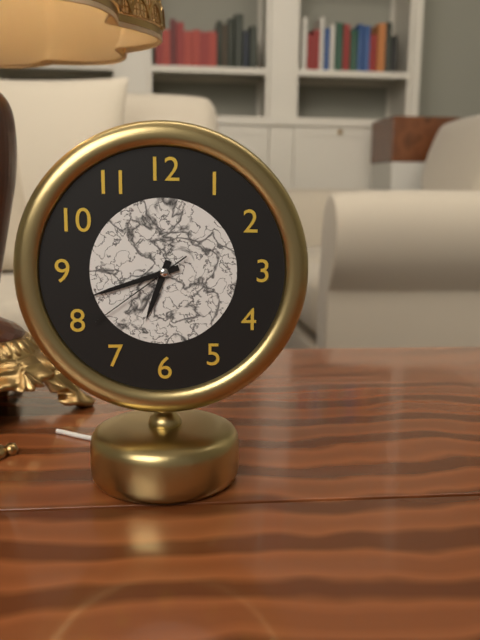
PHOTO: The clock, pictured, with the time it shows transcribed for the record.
6:42:39
